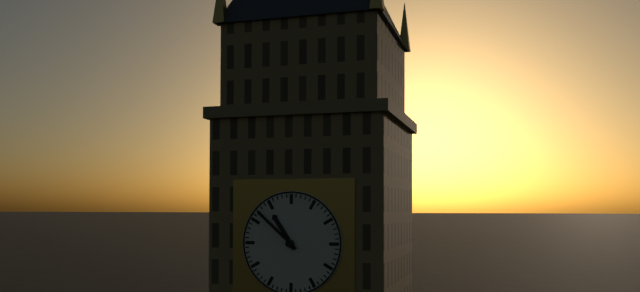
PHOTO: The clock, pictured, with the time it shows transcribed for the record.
10:52
